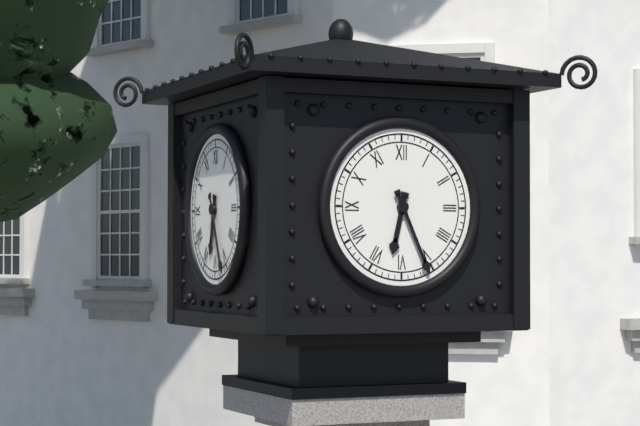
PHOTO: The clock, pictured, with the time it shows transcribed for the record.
6:26
